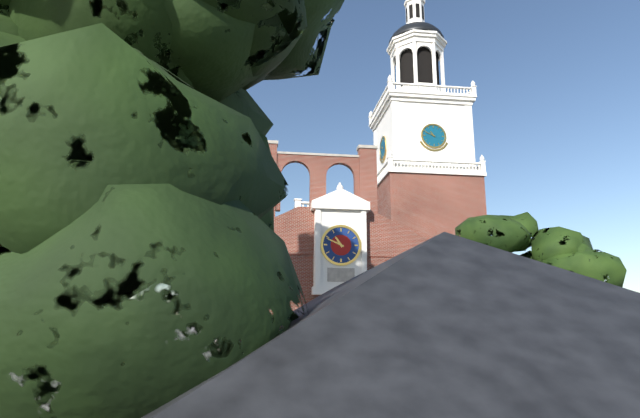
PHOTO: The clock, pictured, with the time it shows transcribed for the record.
10:49
